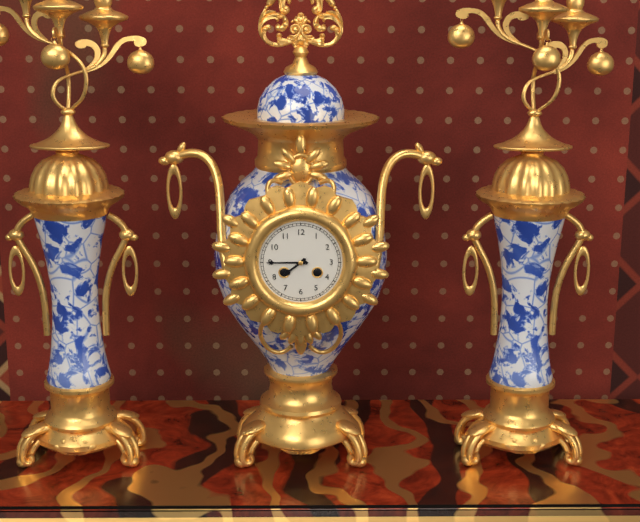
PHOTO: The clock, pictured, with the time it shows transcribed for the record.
7:45
